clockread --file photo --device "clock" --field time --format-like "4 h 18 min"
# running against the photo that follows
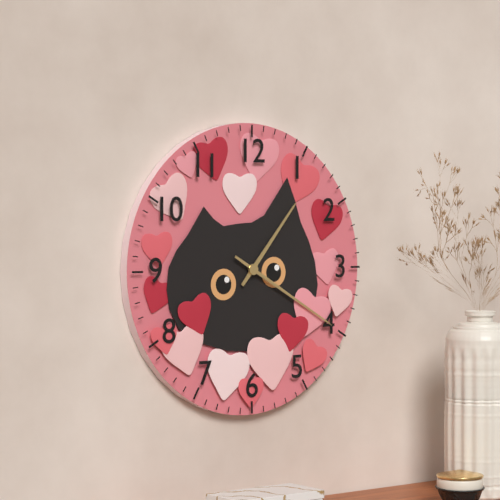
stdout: 1 h 20 min
